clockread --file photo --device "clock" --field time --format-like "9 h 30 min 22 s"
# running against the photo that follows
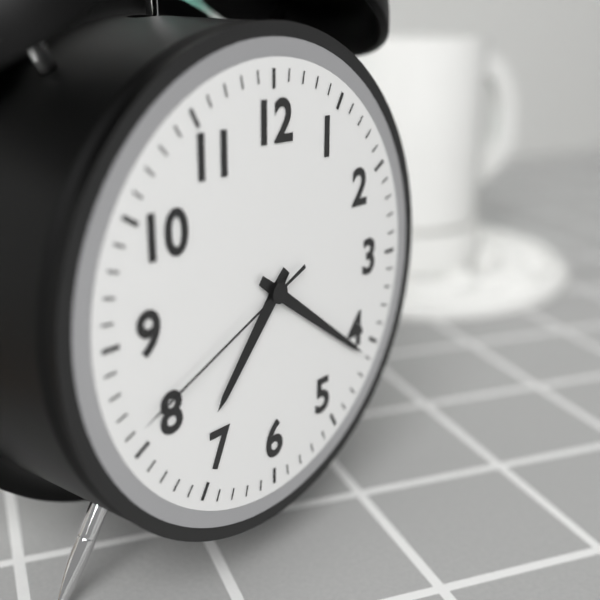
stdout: 7 h 21 min 41 s
